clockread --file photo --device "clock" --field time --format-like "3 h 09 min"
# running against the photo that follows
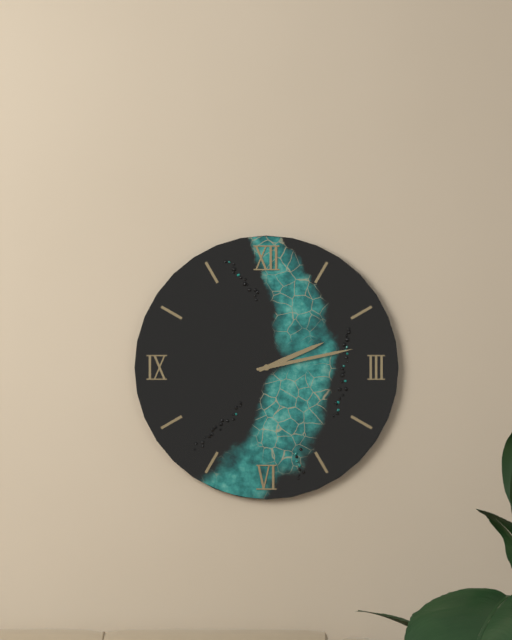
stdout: 2 h 13 min
